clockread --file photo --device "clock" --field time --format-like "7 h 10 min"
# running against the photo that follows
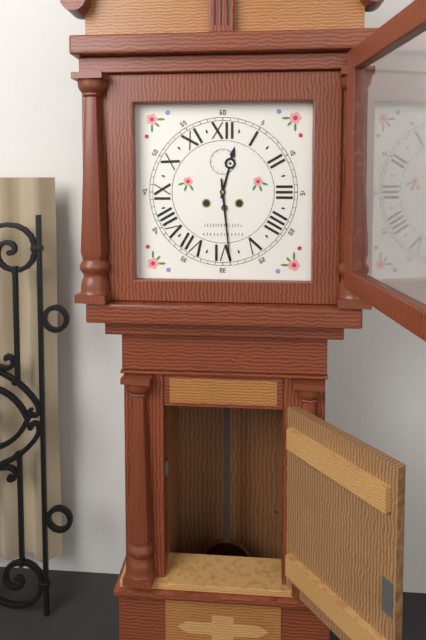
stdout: 12 h 29 min
